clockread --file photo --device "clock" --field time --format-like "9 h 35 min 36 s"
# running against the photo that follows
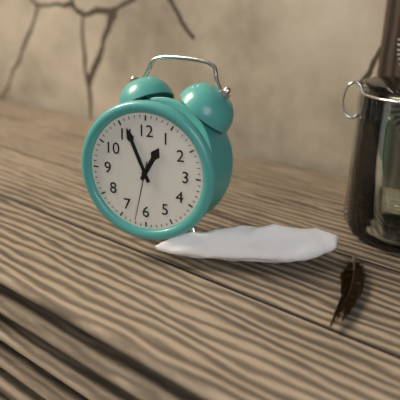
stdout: 12 h 56 min 32 s
